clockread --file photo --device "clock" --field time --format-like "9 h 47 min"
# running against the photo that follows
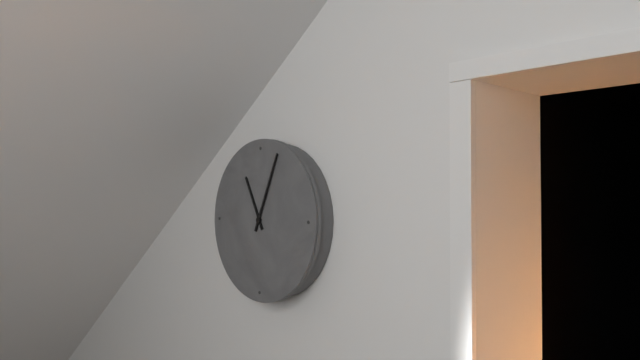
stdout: 11 h 04 min
